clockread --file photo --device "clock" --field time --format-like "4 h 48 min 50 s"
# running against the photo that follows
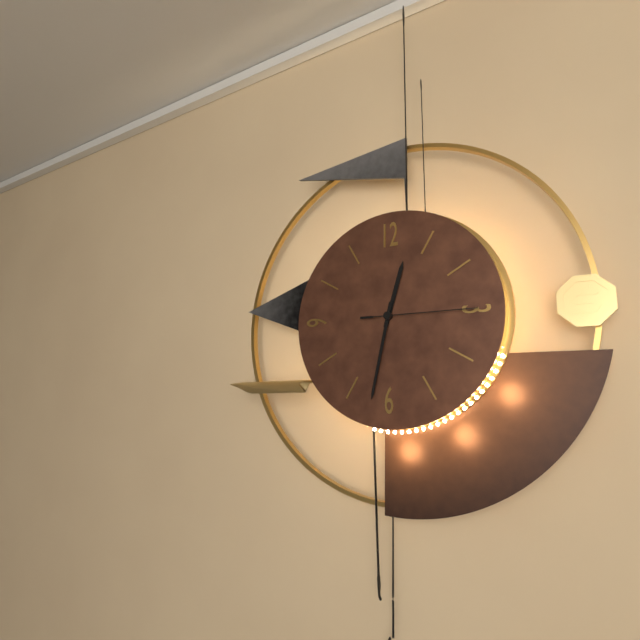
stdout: 12 h 32 min 15 s
